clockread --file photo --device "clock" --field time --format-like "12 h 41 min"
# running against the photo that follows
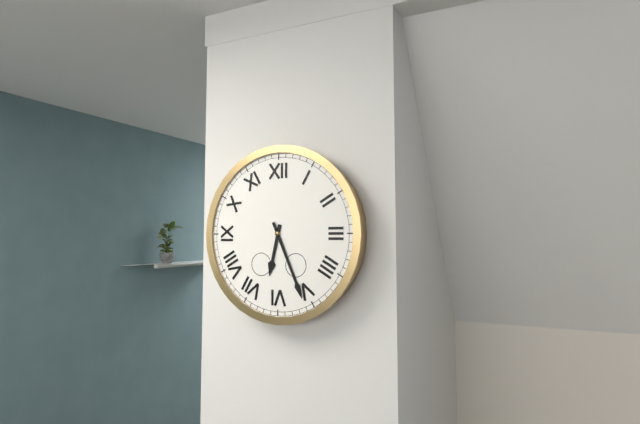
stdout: 6 h 26 min
